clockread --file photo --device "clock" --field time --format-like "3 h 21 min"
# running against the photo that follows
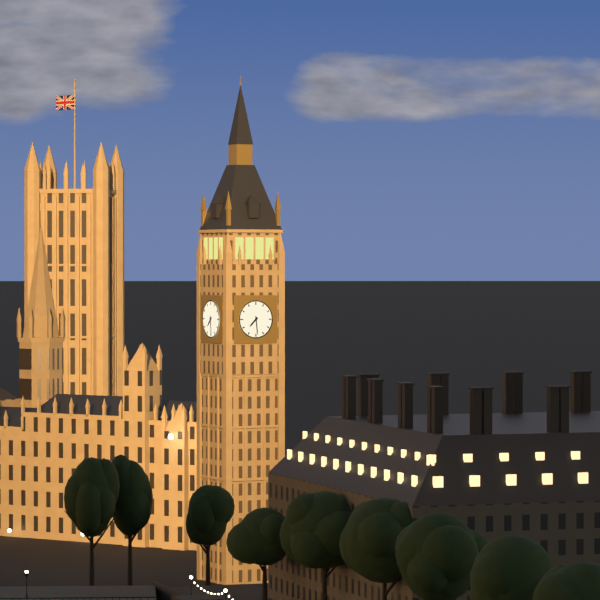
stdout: 7 h 29 min
